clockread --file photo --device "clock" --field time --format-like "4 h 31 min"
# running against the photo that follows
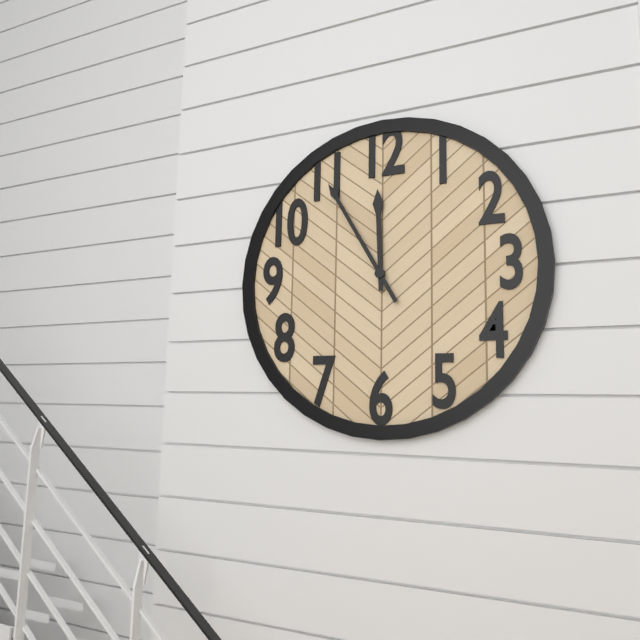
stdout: 11 h 55 min
